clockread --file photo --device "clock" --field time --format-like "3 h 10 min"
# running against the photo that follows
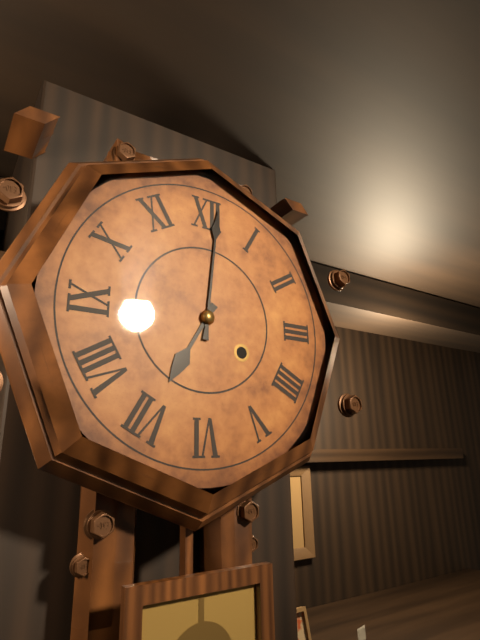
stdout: 7 h 01 min
